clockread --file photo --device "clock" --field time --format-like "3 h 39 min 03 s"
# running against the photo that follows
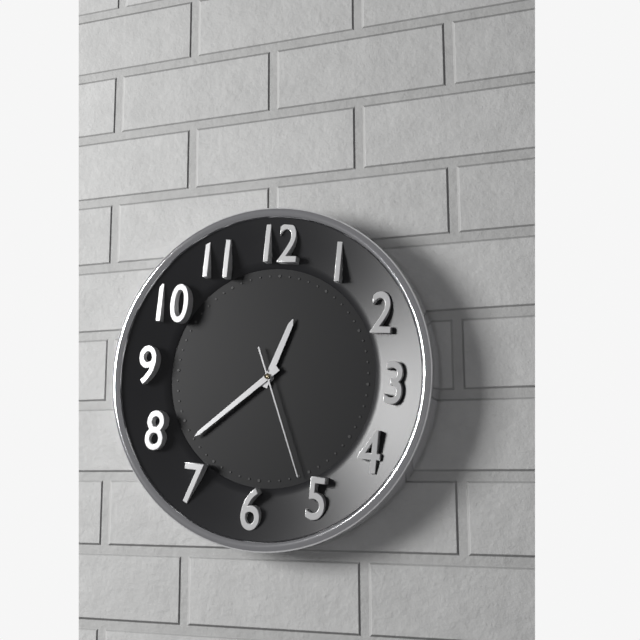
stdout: 12 h 38 min 26 s
